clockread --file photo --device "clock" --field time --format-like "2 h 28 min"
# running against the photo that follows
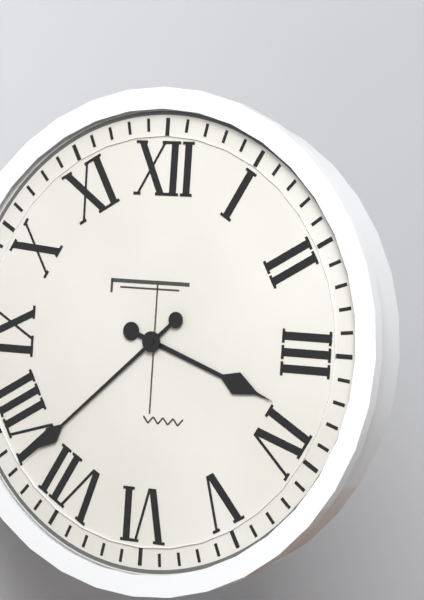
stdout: 3 h 38 min
